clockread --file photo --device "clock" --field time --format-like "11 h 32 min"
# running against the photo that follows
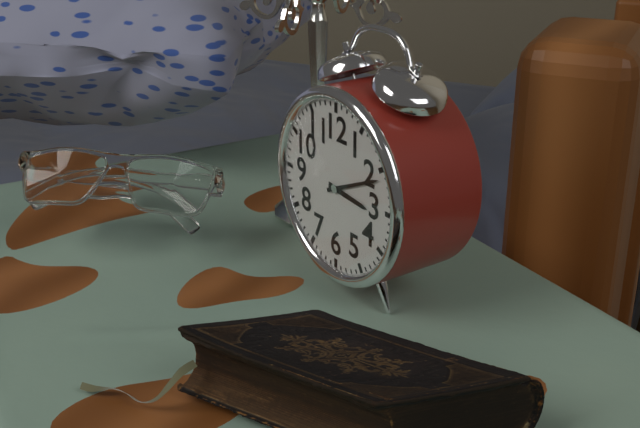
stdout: 3 h 11 min
